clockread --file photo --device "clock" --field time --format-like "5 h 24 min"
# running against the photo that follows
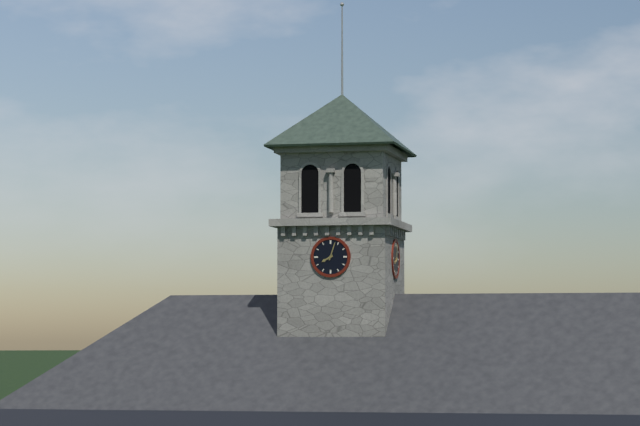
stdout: 8 h 03 min
